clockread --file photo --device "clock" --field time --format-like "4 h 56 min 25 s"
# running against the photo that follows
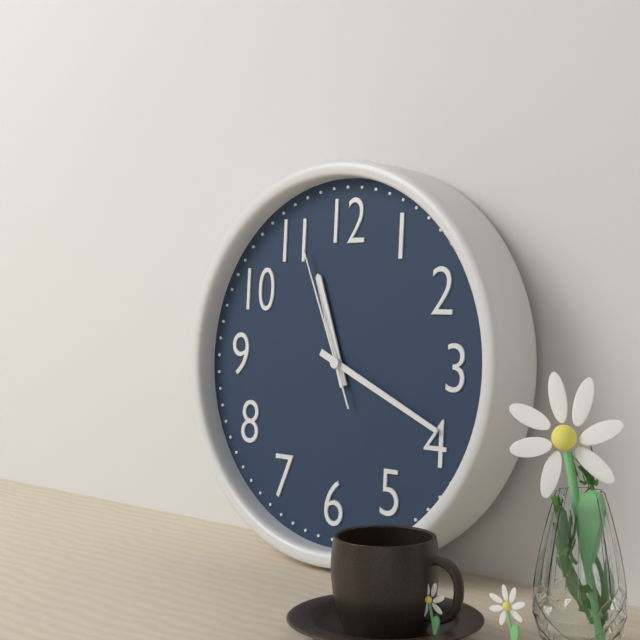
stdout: 11 h 19 min 56 s
